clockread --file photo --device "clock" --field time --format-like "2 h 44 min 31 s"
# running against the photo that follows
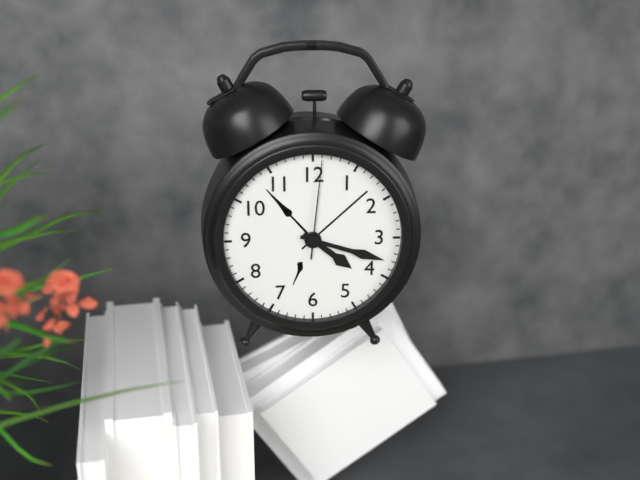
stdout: 4 h 18 min 01 s
